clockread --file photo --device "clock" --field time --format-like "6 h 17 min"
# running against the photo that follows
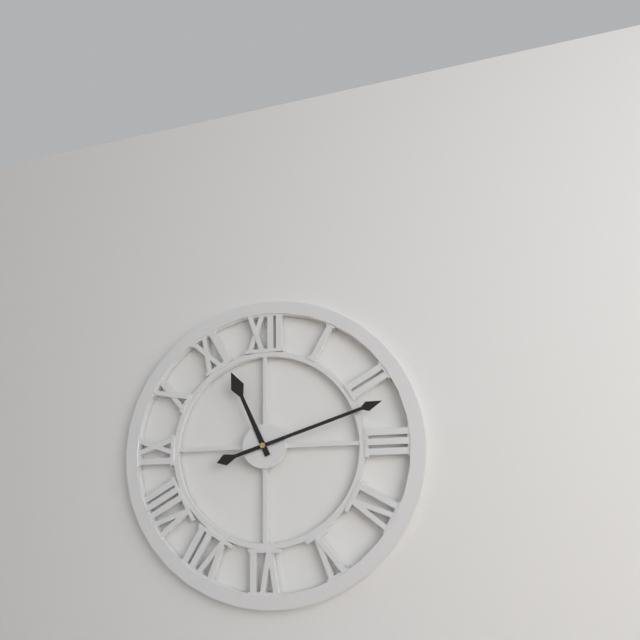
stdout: 11 h 12 min
